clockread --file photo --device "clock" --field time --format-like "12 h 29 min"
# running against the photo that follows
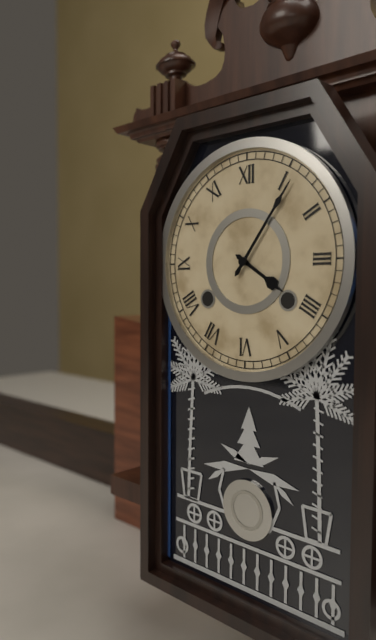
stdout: 4 h 06 min
